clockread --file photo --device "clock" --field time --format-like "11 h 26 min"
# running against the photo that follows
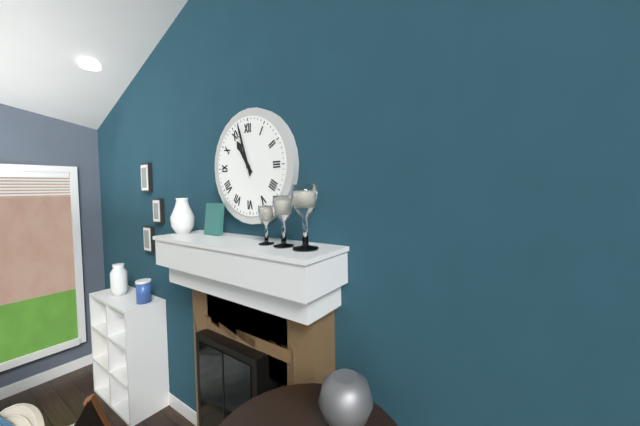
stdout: 10 h 57 min
